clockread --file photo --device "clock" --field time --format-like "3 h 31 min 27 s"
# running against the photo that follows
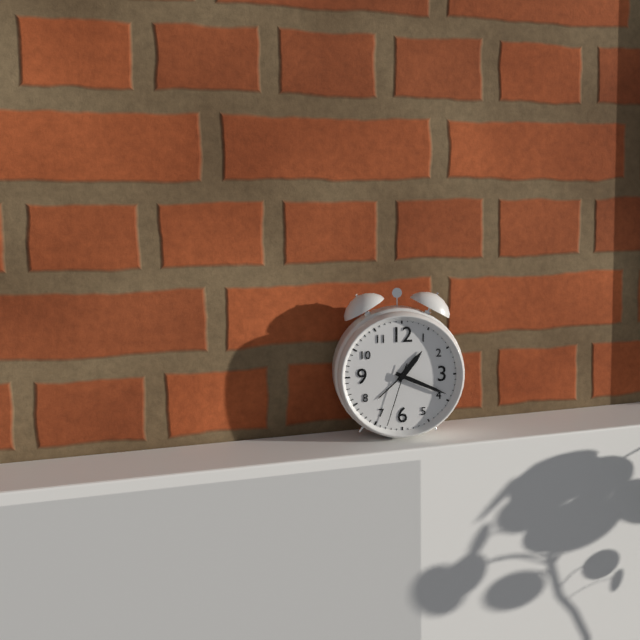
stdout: 1 h 19 min 33 s
